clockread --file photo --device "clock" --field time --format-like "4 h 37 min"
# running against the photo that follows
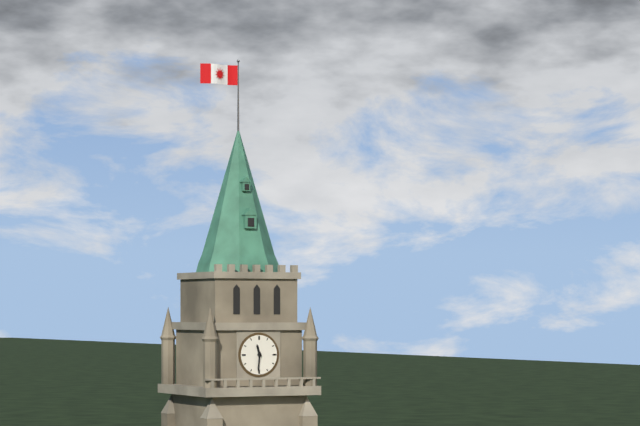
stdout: 11 h 31 min
